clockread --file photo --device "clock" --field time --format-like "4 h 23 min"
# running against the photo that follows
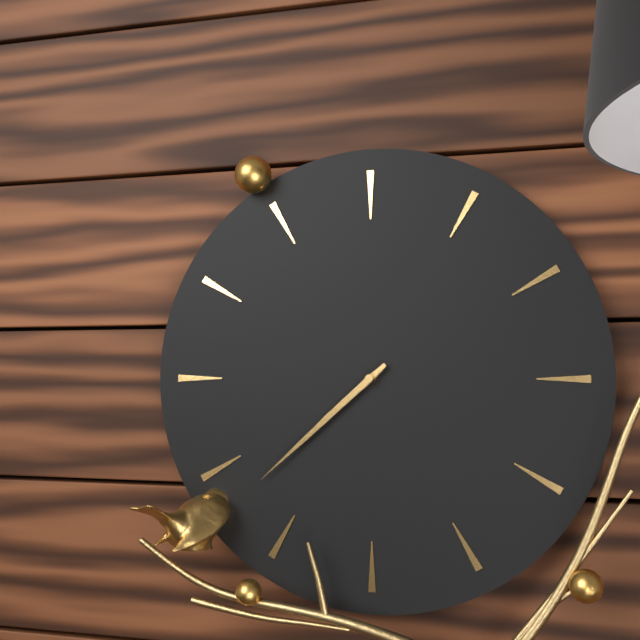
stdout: 7 h 38 min
